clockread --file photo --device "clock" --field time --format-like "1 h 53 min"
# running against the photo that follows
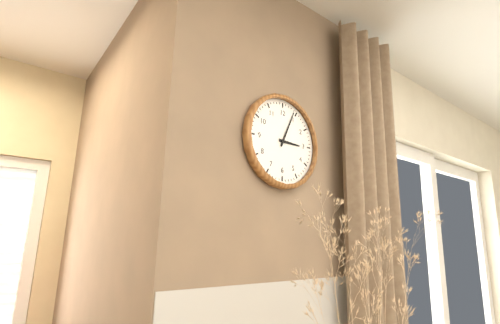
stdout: 3 h 04 min
